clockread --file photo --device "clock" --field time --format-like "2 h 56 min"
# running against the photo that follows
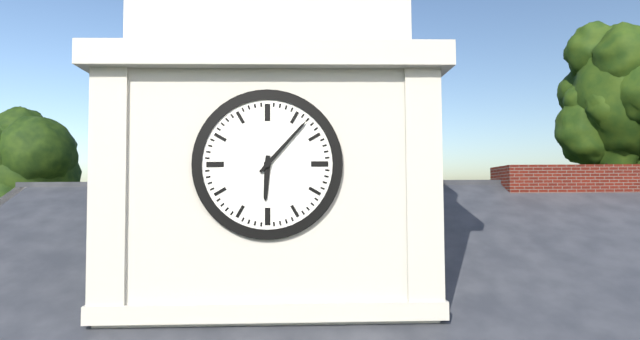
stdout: 6 h 07 min
